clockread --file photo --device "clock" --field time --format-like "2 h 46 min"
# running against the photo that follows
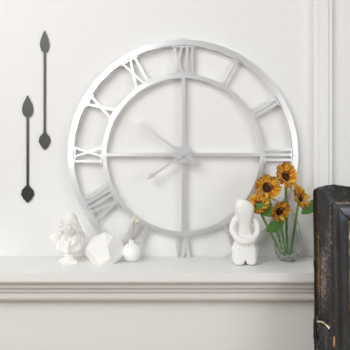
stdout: 7 h 51 min
